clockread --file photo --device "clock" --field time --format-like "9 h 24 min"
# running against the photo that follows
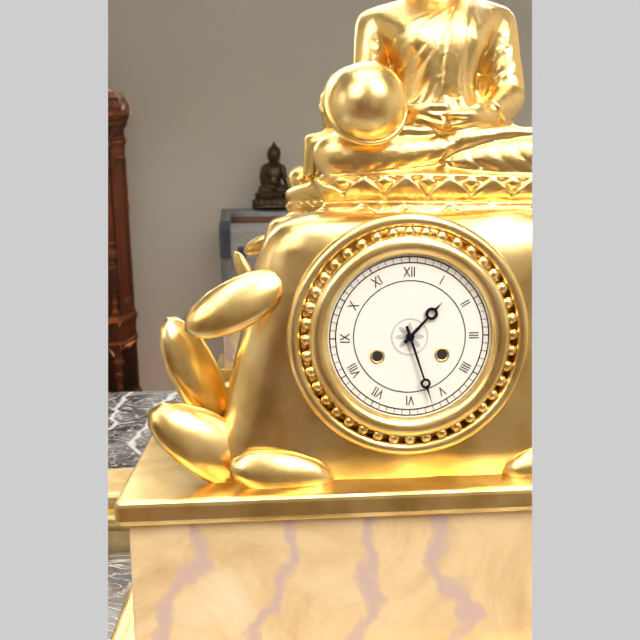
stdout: 1 h 27 min
